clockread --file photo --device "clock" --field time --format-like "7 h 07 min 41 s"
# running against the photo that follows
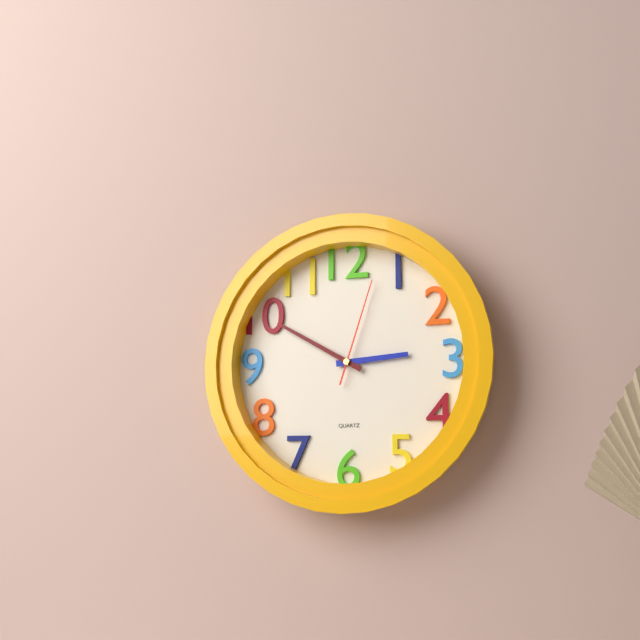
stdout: 2 h 50 min 03 s
